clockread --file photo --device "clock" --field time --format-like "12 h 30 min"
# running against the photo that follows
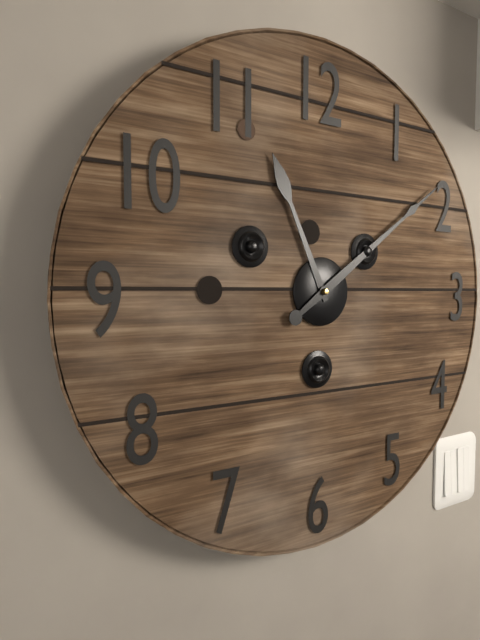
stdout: 11 h 09 min
